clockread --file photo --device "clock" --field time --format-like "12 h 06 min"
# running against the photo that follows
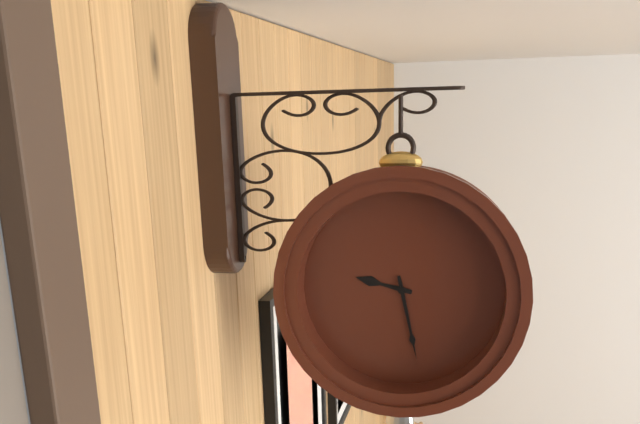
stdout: 9 h 28 min
